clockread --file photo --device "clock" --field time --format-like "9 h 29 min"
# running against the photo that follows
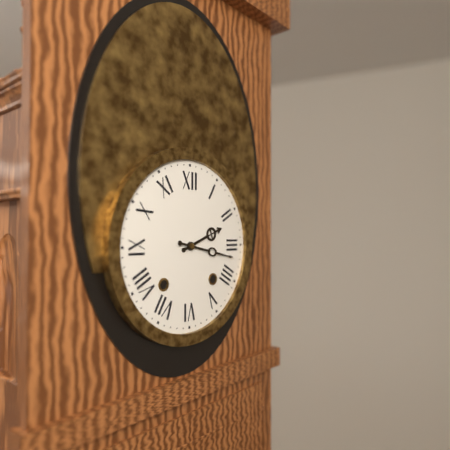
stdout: 2 h 17 min
